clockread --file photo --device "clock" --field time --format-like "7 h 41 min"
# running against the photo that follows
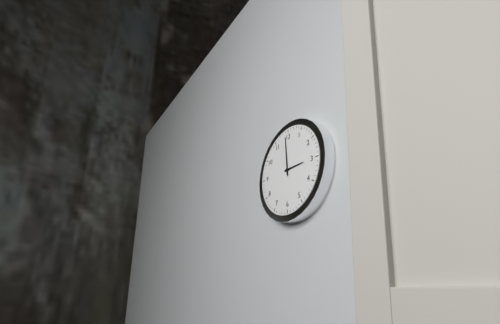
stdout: 2 h 59 min
